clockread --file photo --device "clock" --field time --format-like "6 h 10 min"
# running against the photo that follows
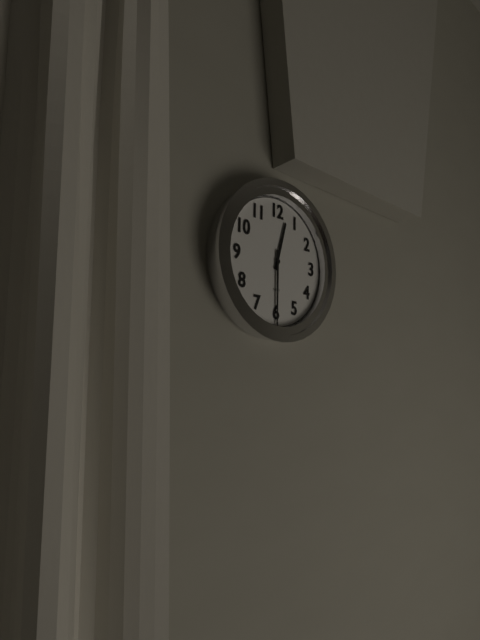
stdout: 12 h 30 min
